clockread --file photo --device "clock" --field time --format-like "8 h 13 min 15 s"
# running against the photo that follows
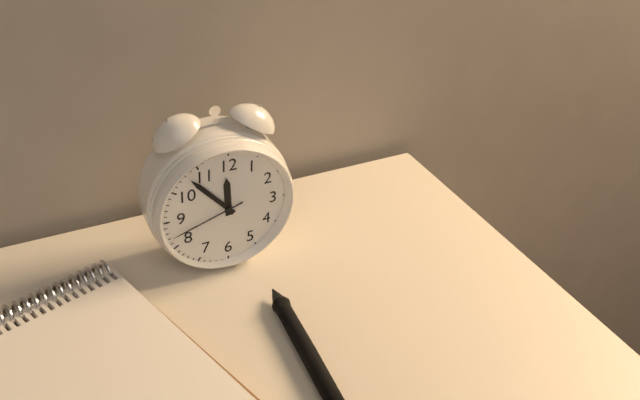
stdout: 11 h 53 min 42 s
